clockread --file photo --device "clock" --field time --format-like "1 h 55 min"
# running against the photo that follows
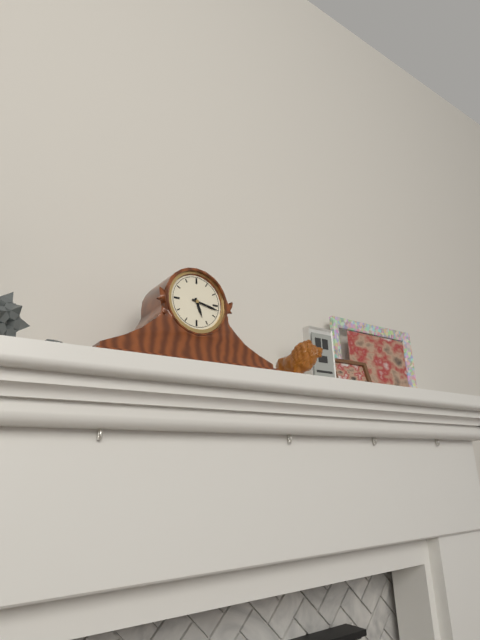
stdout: 5 h 17 min
